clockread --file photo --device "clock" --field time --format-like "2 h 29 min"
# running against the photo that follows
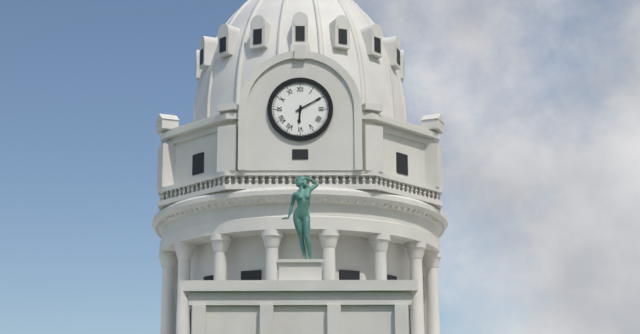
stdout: 6 h 10 min
